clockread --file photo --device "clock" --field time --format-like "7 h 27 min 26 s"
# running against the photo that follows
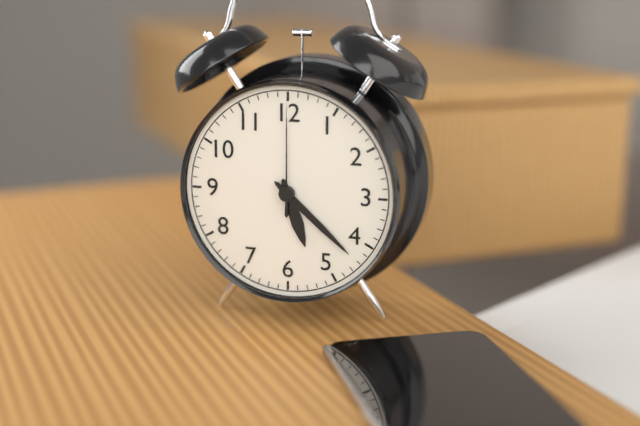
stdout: 5 h 22 min 00 s
